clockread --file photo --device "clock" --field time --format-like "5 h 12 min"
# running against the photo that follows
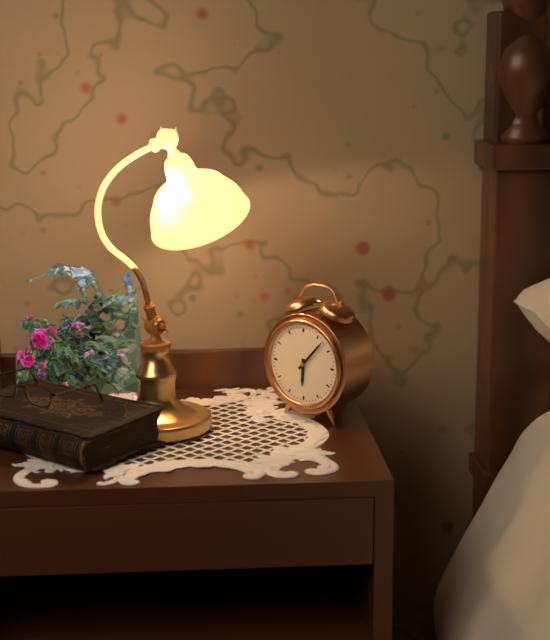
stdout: 6 h 07 min
